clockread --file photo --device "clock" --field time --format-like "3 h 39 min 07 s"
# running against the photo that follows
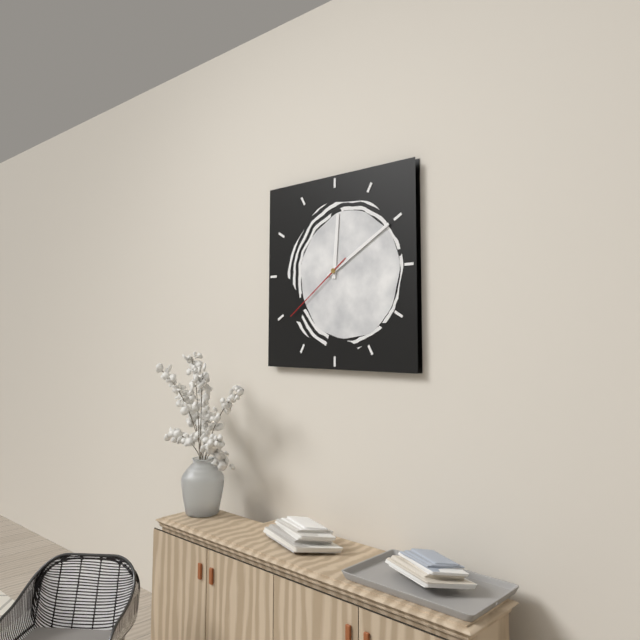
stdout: 12 h 10 min 39 s
